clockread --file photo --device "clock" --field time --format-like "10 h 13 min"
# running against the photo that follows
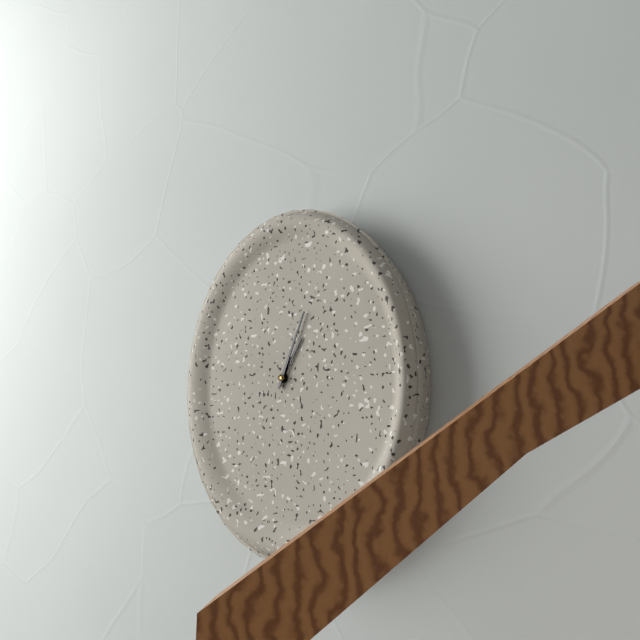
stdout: 1 h 04 min
